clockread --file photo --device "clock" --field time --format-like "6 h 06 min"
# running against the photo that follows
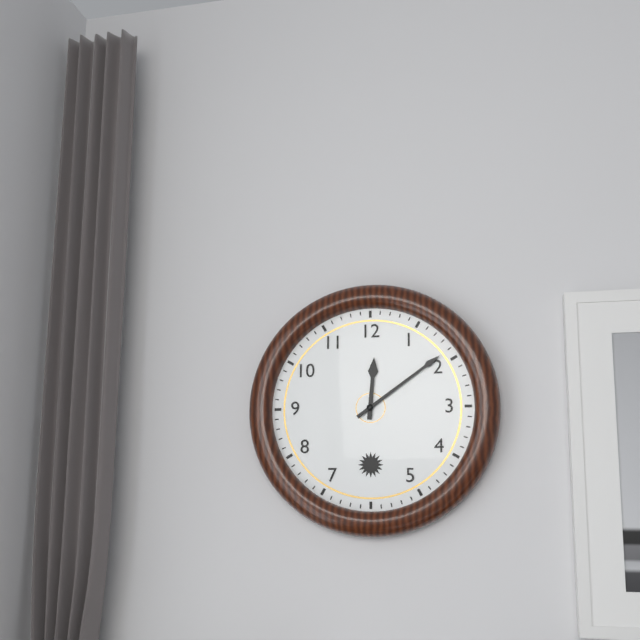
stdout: 12 h 09 min
